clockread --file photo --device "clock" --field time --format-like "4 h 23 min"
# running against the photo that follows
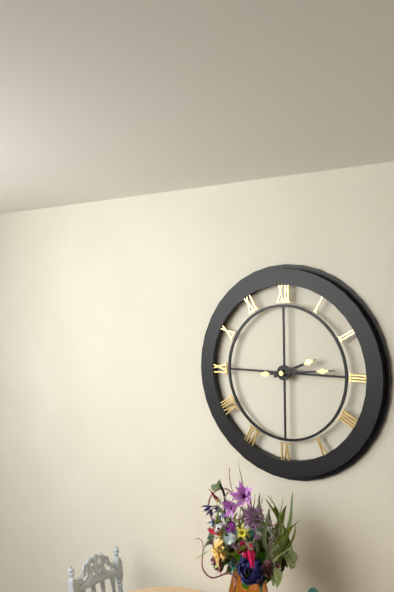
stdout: 2 h 14 min
